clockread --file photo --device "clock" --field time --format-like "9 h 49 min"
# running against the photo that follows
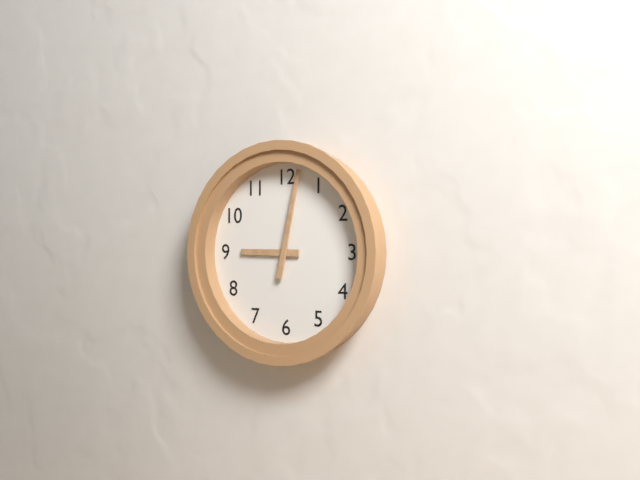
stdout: 9 h 02 min
